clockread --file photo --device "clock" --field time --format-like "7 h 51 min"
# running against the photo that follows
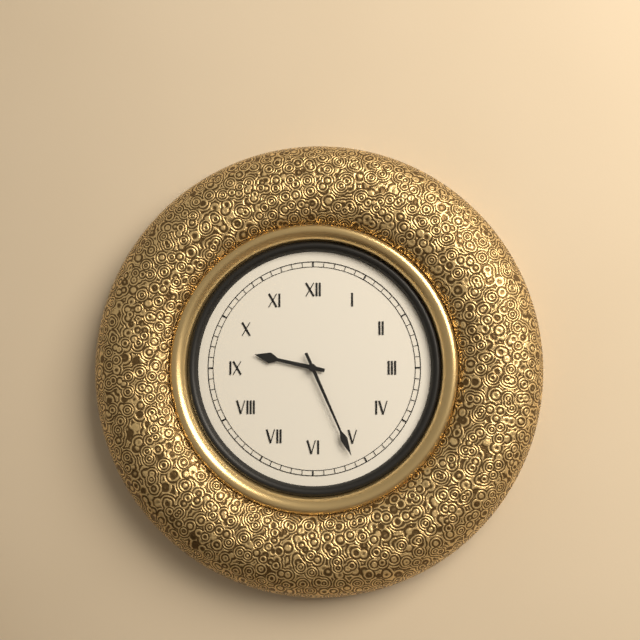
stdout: 9 h 26 min
